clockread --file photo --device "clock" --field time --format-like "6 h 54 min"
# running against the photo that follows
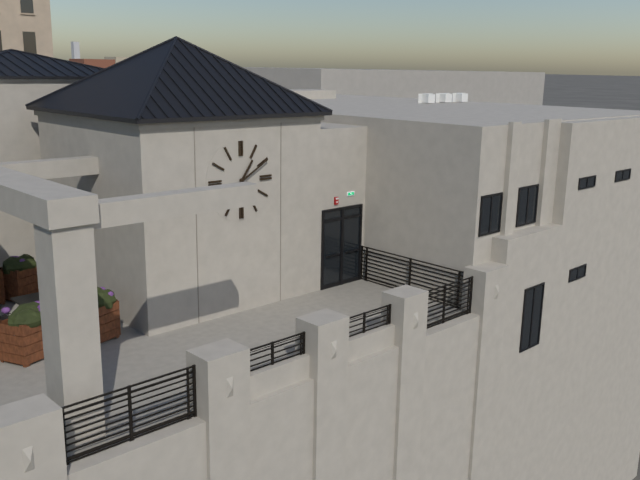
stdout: 1 h 10 min
